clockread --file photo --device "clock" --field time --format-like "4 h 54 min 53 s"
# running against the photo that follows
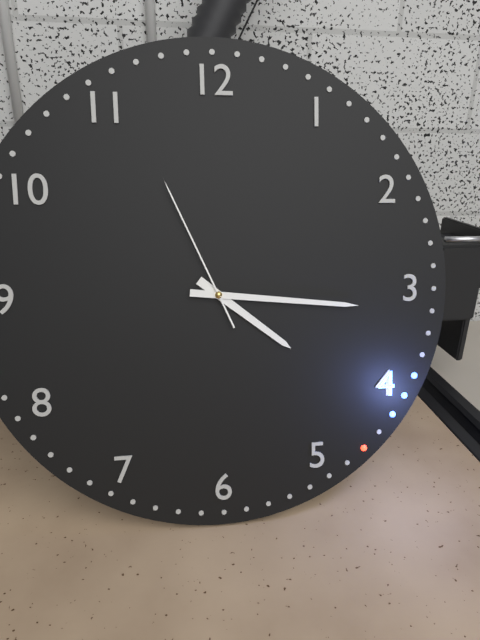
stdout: 4 h 16 min 56 s
